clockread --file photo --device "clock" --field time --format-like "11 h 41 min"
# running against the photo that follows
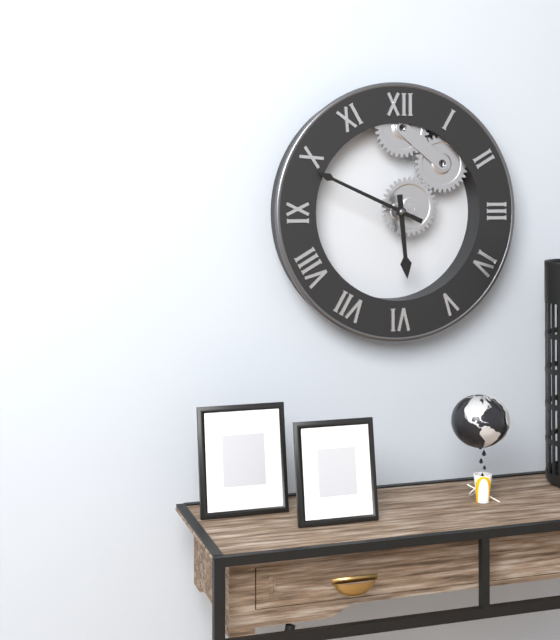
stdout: 5 h 49 min
